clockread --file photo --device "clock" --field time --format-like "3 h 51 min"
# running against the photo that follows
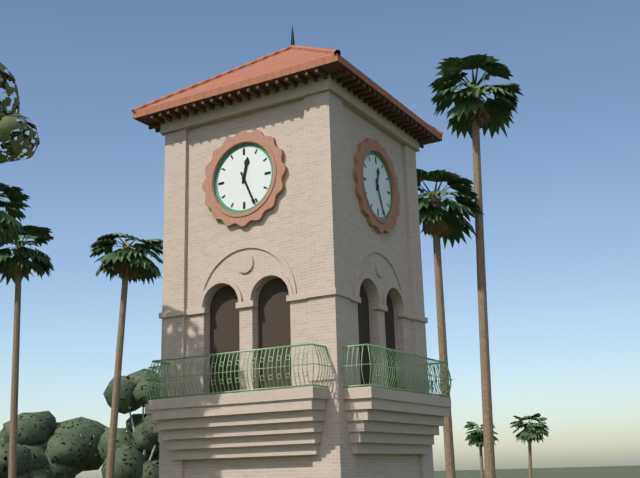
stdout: 12 h 26 min
